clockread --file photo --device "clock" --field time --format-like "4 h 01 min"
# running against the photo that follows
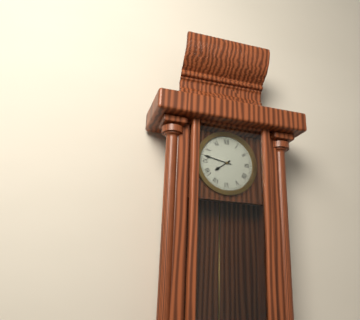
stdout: 7 h 47 min
